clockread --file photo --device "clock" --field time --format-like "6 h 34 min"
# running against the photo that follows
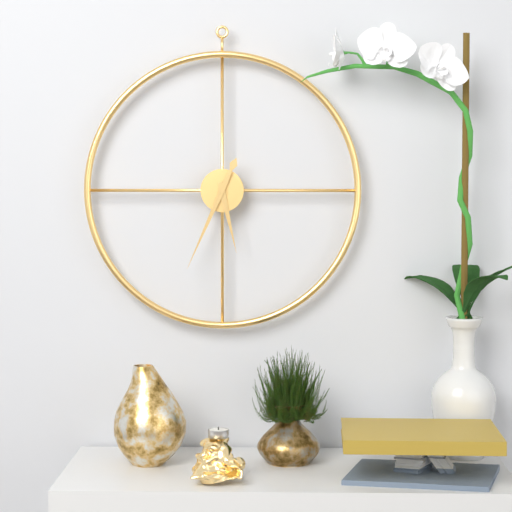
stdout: 5 h 34 min
